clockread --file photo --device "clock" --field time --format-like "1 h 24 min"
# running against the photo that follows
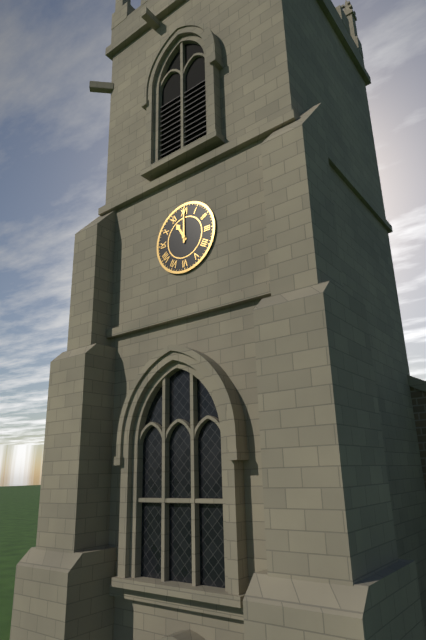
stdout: 11 h 00 min
